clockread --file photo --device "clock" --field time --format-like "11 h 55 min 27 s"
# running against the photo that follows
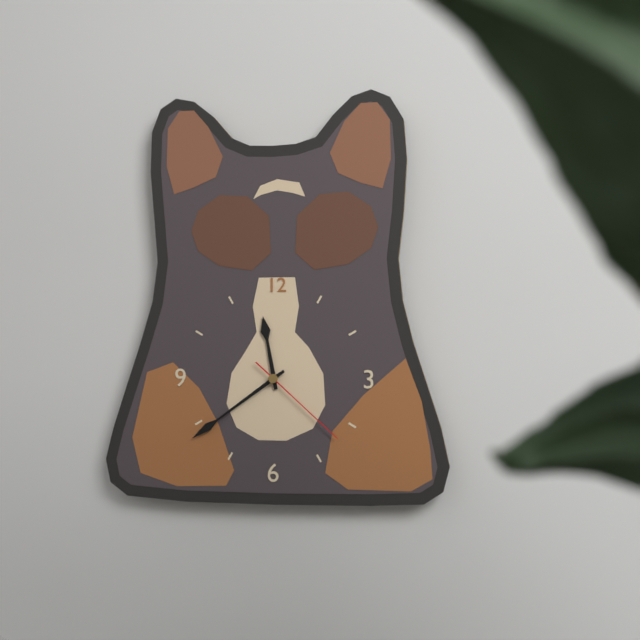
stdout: 11 h 39 min 22 s
